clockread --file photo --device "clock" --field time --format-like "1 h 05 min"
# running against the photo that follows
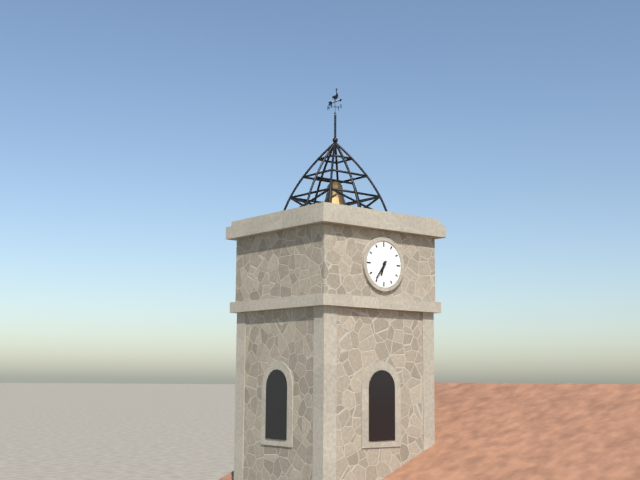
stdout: 6 h 36 min
